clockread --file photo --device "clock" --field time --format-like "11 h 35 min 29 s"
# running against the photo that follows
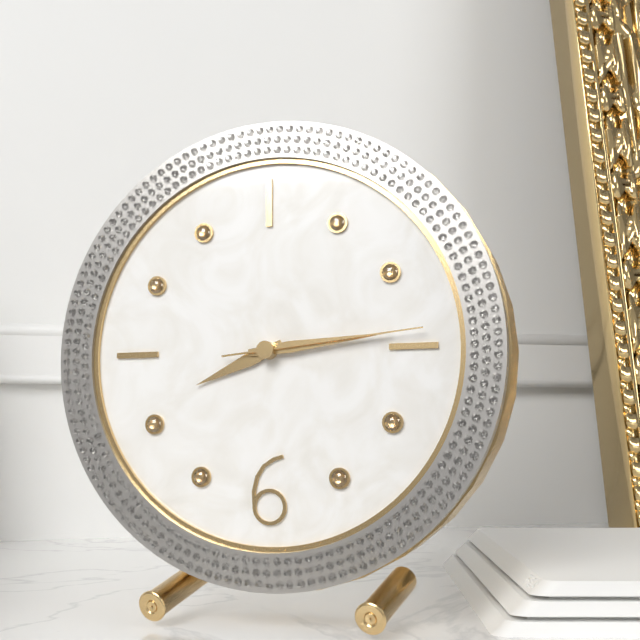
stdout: 8 h 14 min 14 s
